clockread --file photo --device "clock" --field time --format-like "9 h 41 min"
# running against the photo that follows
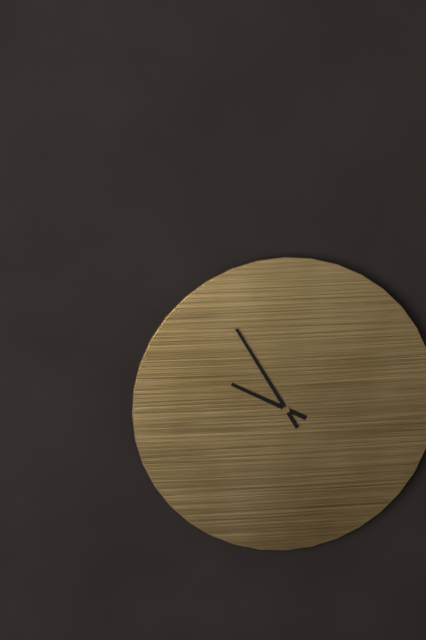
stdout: 9 h 55 min
